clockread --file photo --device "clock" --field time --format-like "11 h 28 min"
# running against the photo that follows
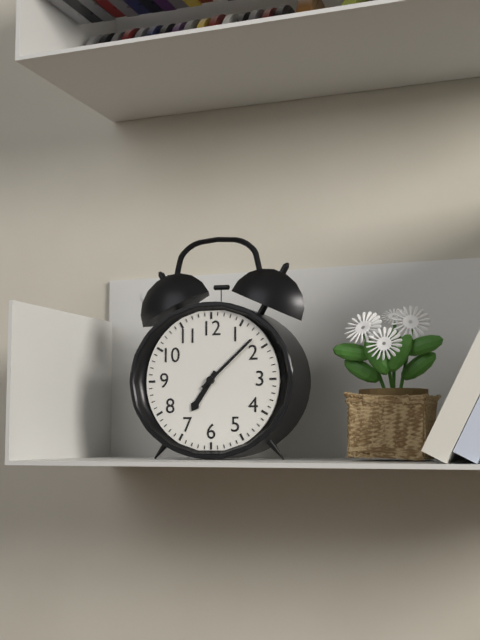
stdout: 7 h 08 min
